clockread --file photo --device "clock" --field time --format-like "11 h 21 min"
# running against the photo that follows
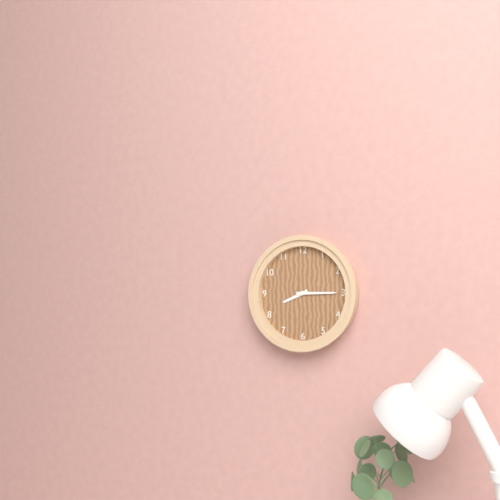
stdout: 8 h 15 min
